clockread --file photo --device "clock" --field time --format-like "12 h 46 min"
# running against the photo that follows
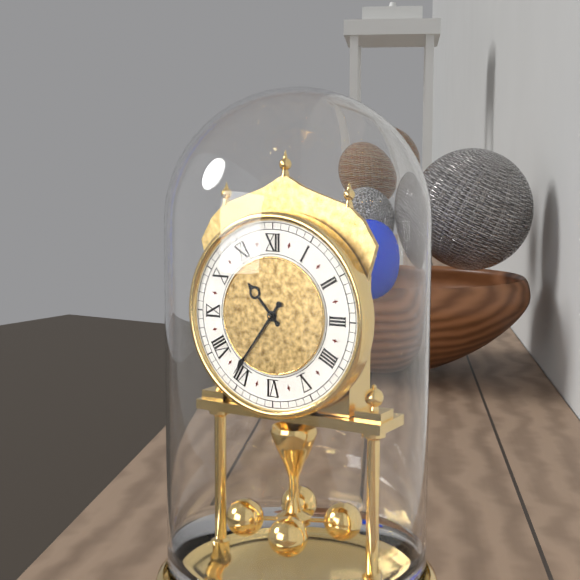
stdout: 10 h 36 min
